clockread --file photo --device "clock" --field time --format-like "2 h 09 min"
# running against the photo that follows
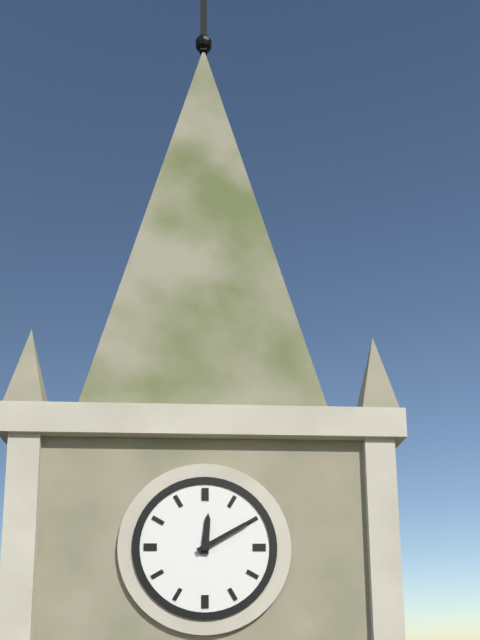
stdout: 12 h 10 min
